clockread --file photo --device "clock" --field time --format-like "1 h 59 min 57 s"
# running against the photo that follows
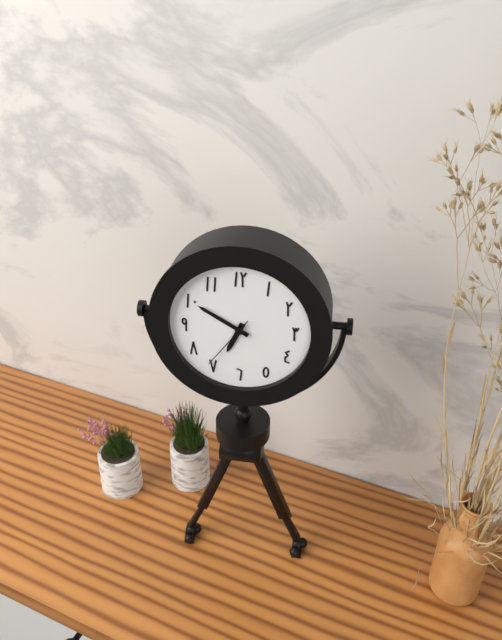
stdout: 6 h 50 min 36 s
